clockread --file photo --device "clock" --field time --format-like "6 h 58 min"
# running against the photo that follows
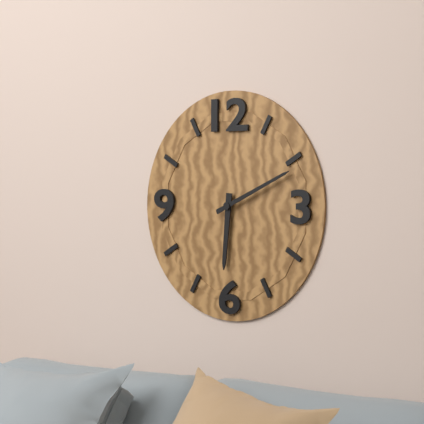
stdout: 6 h 11 min
